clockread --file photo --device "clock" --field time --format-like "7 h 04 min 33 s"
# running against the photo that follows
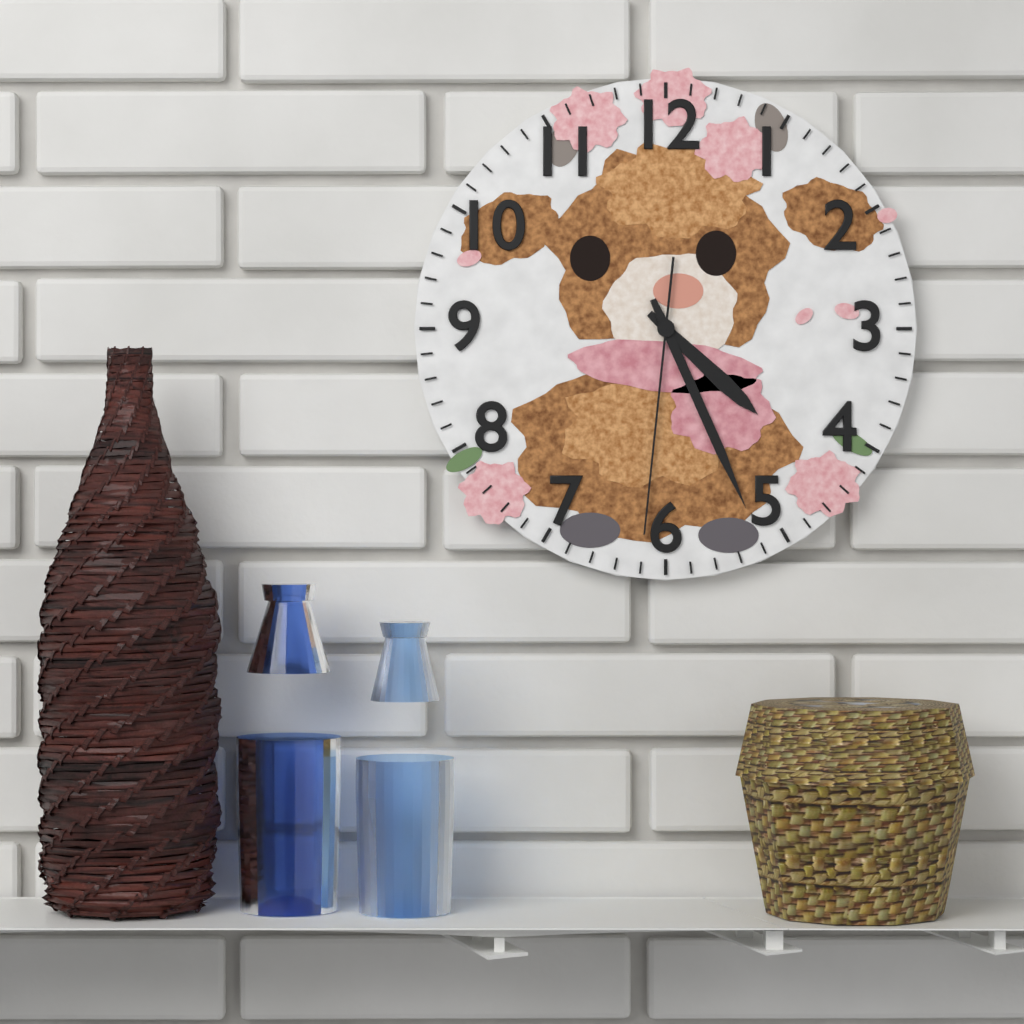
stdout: 4 h 26 min 31 s
